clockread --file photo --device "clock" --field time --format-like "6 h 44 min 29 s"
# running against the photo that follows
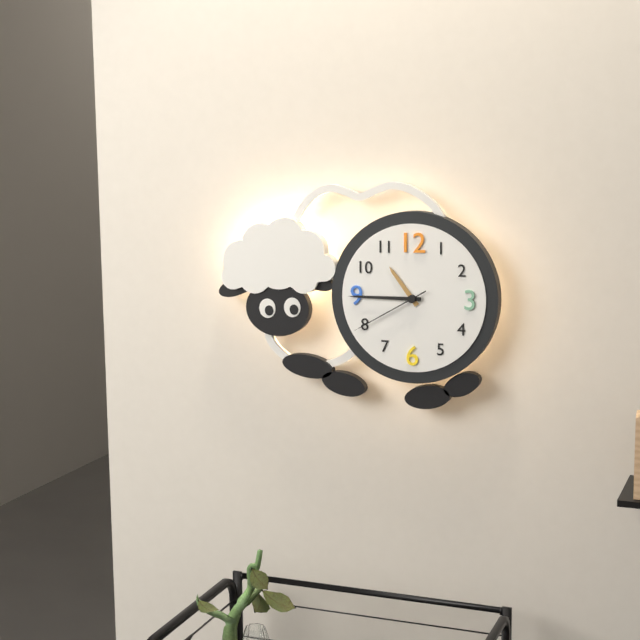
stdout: 10 h 45 min 40 s
